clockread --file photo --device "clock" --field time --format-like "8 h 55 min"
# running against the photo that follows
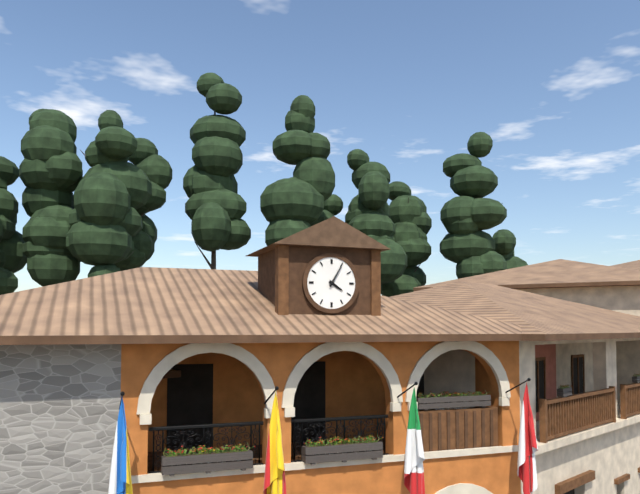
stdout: 4 h 05 min
